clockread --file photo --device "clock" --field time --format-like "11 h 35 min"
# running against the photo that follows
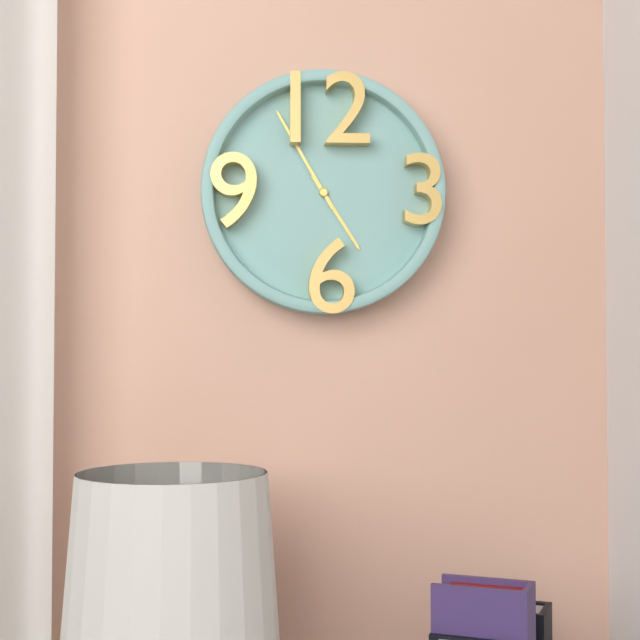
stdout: 4 h 55 min
